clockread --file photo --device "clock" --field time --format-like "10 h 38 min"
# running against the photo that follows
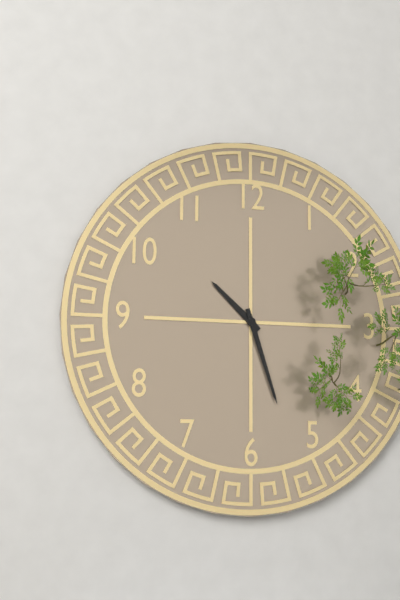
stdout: 10 h 27 min
